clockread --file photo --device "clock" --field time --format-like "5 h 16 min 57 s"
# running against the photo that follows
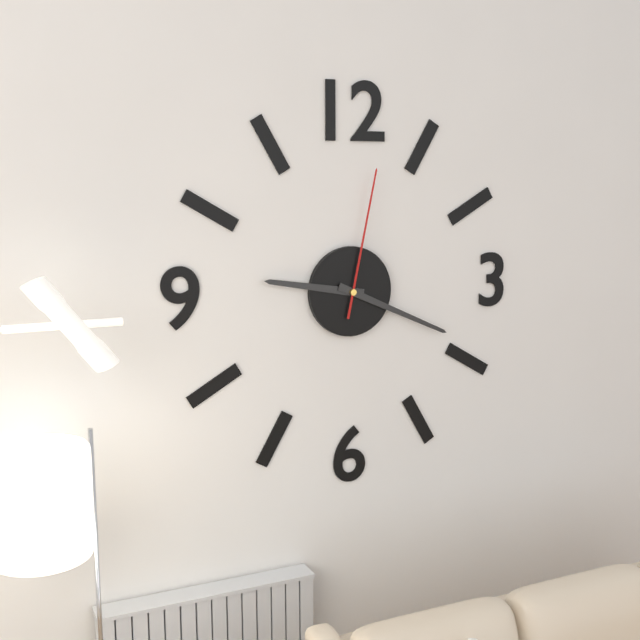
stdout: 9 h 19 min 02 s
